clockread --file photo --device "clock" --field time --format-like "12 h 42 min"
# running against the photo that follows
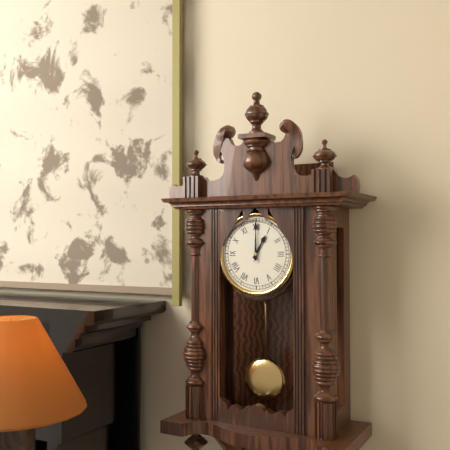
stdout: 1 h 00 min
